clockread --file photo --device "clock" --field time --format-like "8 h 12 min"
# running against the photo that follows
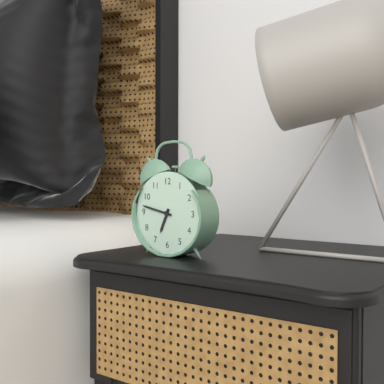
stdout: 6 h 47 min
